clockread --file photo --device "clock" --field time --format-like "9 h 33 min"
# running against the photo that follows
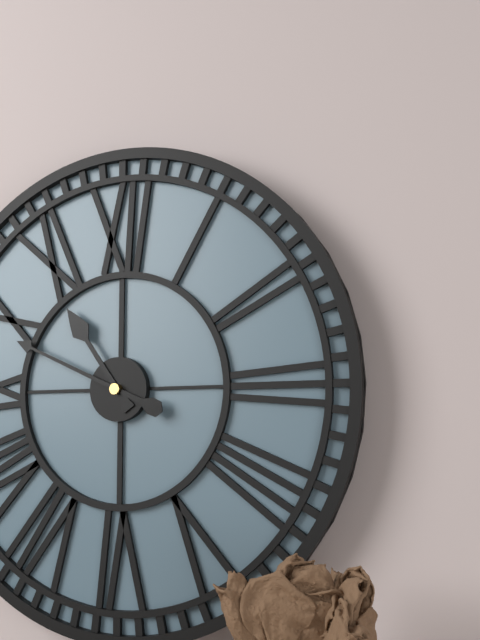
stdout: 10 h 49 min
